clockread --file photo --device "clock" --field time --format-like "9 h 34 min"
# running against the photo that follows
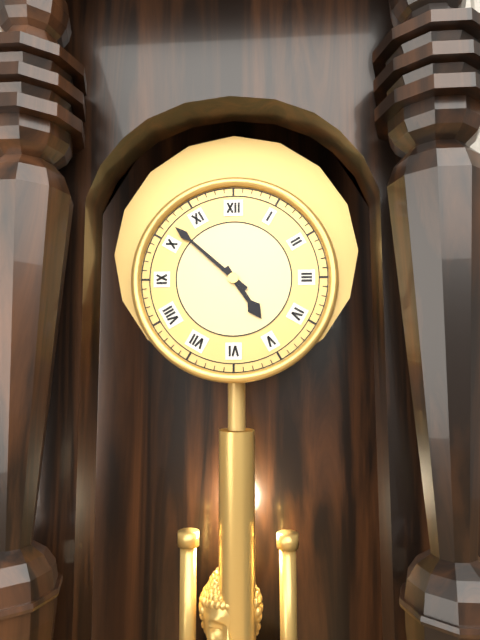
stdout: 4 h 52 min
